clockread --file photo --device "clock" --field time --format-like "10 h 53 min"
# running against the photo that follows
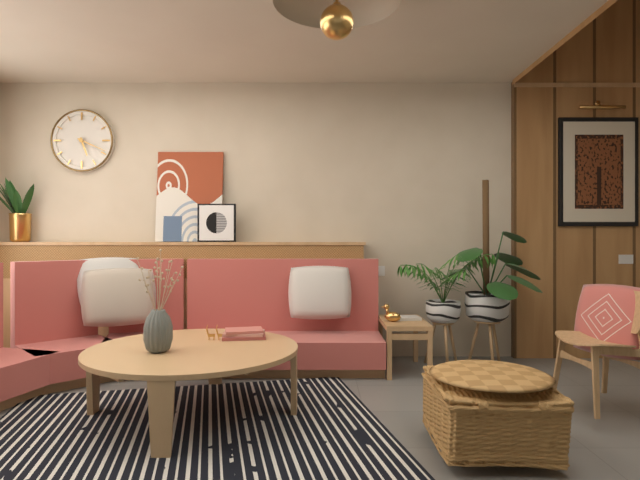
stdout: 5 h 19 min
